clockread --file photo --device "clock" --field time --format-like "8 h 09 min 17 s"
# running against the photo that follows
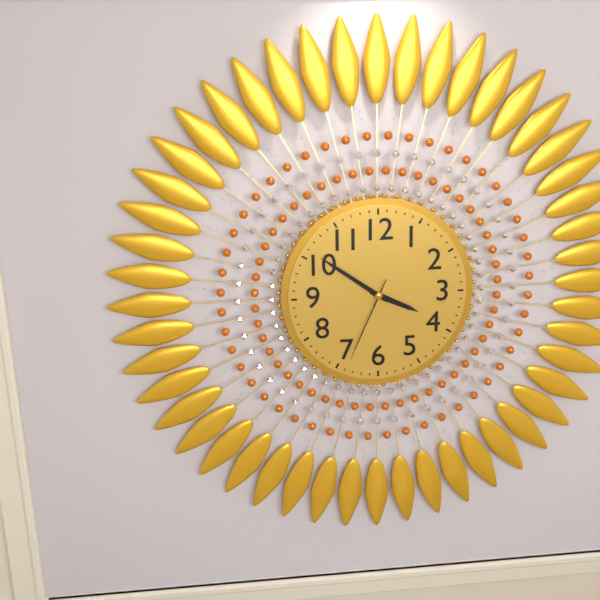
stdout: 3 h 51 min 34 s
